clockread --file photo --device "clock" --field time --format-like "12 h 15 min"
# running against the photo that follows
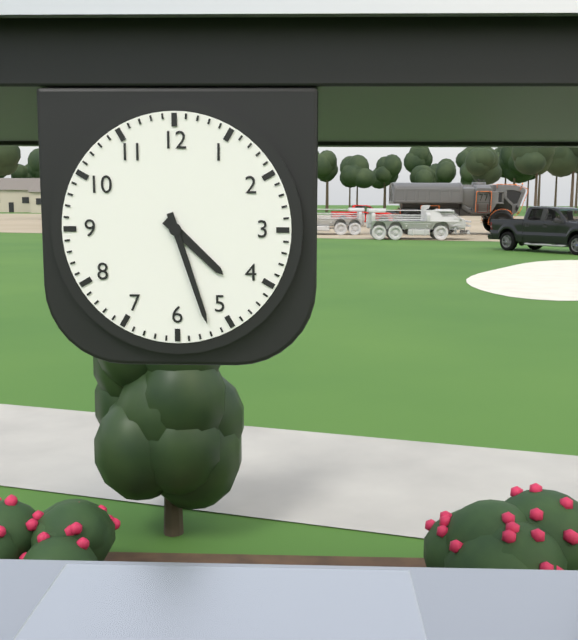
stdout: 4 h 27 min
